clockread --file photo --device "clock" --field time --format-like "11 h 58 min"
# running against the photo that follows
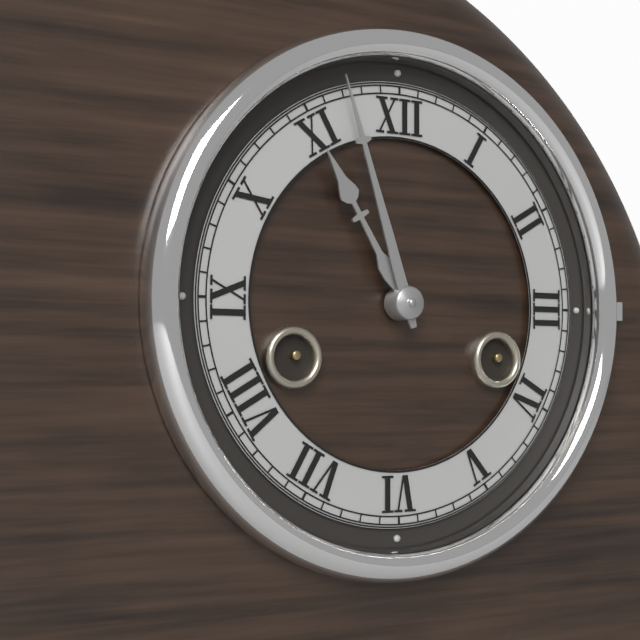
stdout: 10 h 57 min
